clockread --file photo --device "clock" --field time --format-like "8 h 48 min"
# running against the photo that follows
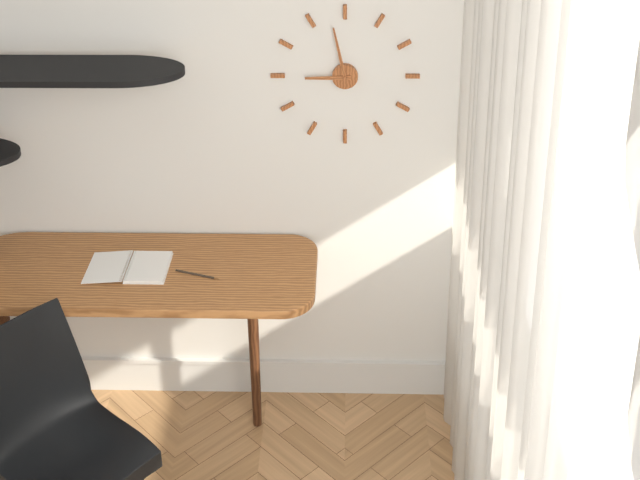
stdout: 8 h 58 min
